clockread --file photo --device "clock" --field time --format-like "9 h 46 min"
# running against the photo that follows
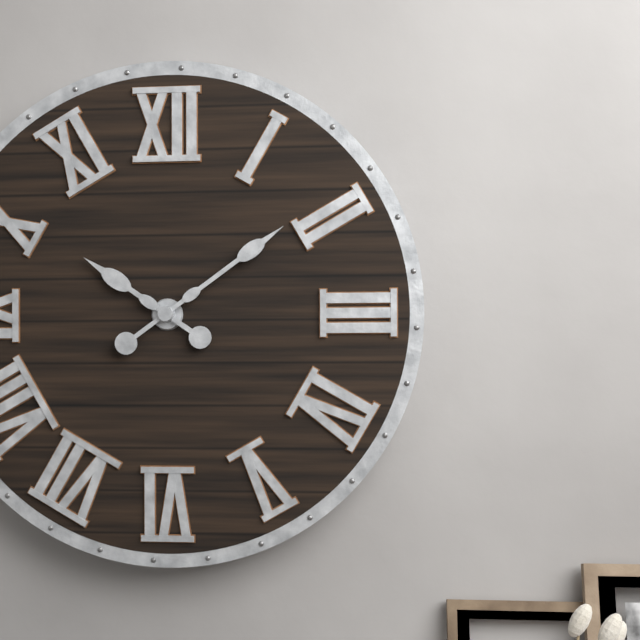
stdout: 10 h 09 min
